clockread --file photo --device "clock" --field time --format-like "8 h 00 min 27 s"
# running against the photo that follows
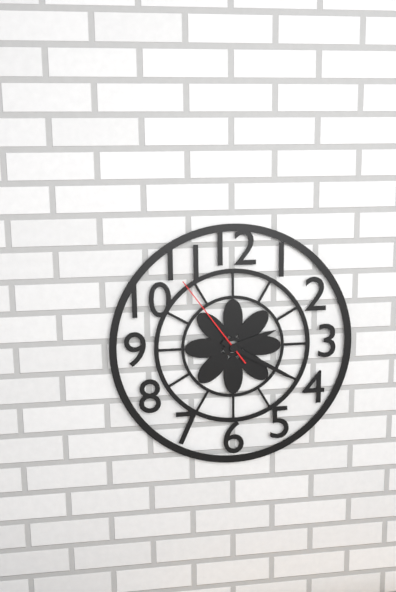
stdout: 2 h 20 min 54 s
